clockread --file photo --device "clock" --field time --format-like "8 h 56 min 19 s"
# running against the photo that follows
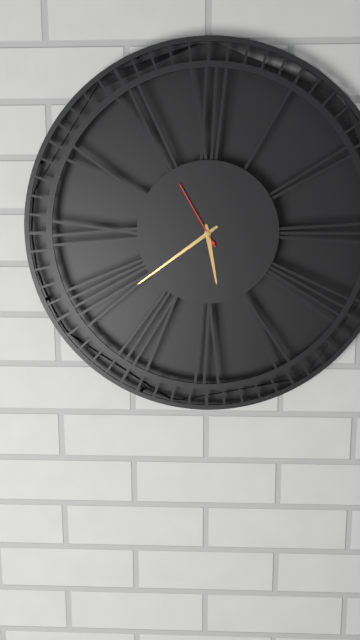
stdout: 5 h 39 min 55 s
